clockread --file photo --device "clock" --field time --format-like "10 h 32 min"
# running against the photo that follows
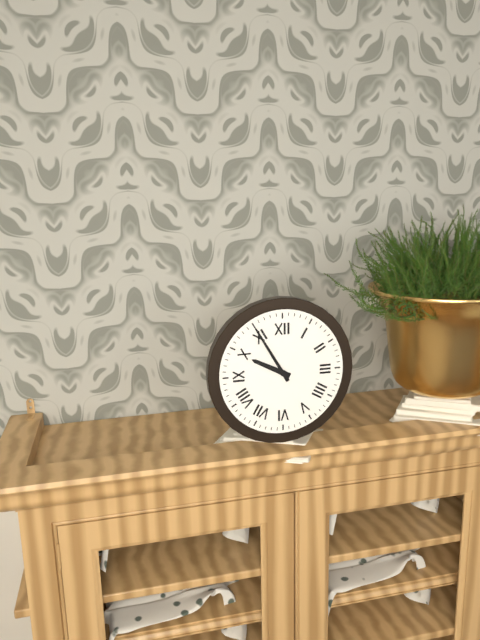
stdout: 9 h 55 min
